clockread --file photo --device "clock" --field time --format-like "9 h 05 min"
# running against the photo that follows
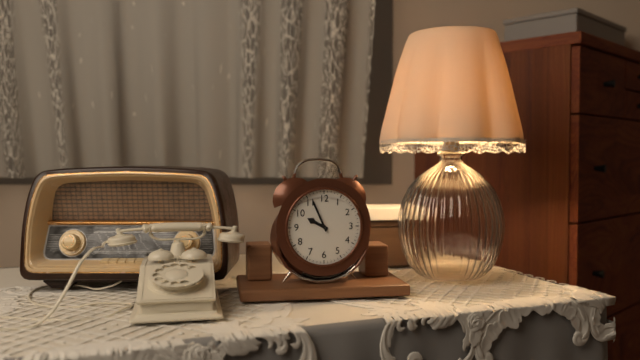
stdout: 9 h 56 min
